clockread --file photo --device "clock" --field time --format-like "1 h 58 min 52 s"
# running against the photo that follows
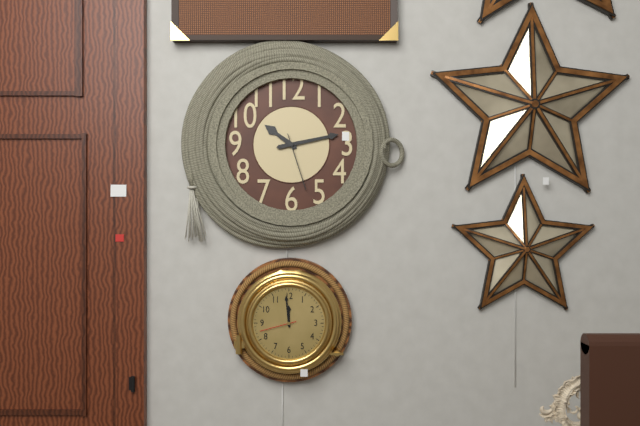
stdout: 10 h 13 min 27 s
